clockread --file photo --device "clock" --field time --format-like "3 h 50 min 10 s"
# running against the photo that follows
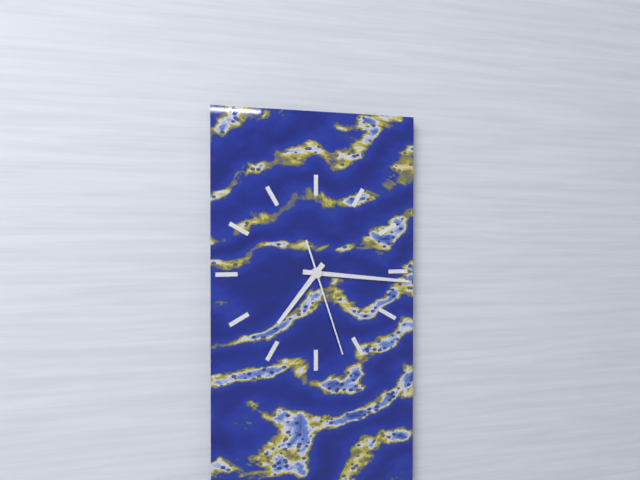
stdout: 7 h 16 min 27 s
